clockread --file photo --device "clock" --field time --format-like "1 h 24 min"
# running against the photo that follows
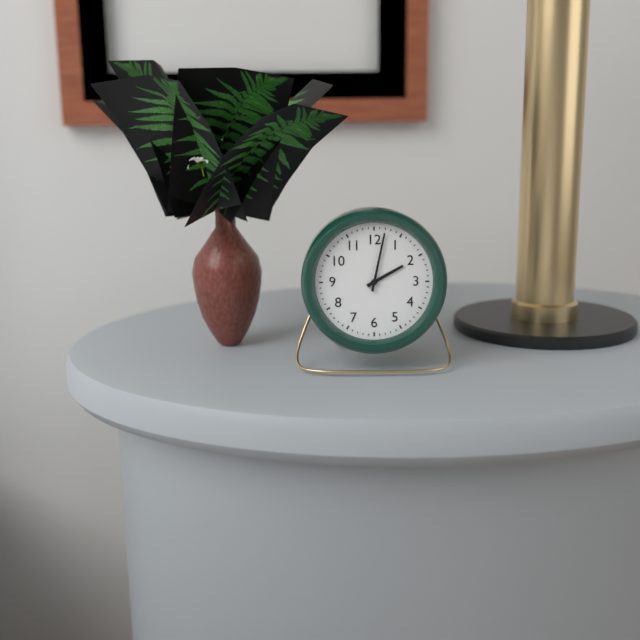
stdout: 2 h 02 min
